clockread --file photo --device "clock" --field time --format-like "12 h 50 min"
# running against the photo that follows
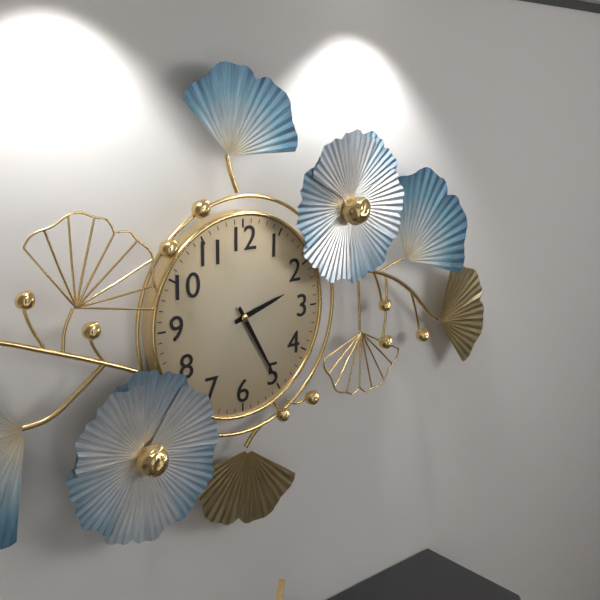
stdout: 2 h 25 min
